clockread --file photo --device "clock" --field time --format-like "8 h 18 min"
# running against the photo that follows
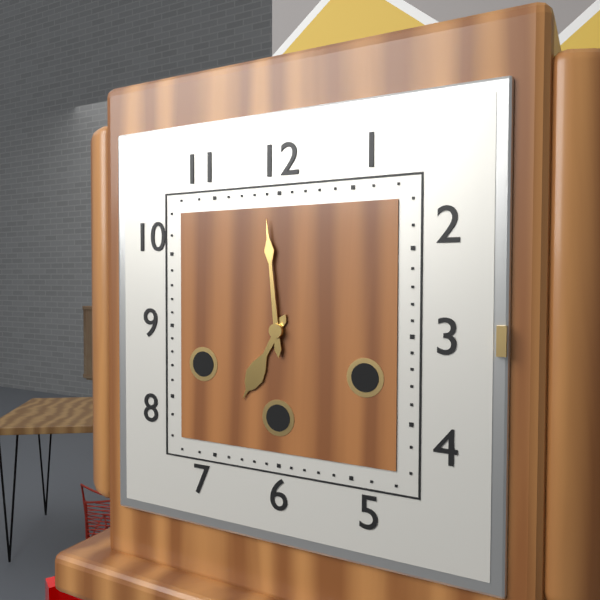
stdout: 6 h 59 min
